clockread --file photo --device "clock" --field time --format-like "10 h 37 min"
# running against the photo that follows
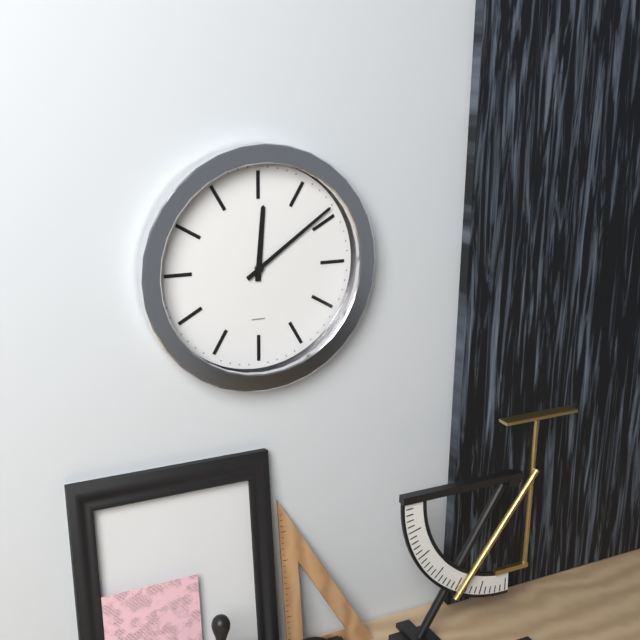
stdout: 12 h 09 min
